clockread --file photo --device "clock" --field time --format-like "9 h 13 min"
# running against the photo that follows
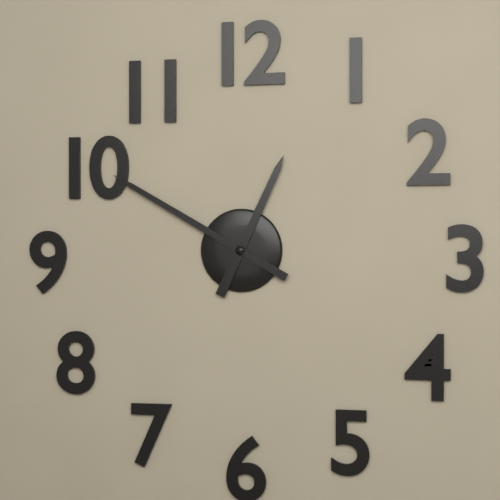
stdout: 12 h 50 min
